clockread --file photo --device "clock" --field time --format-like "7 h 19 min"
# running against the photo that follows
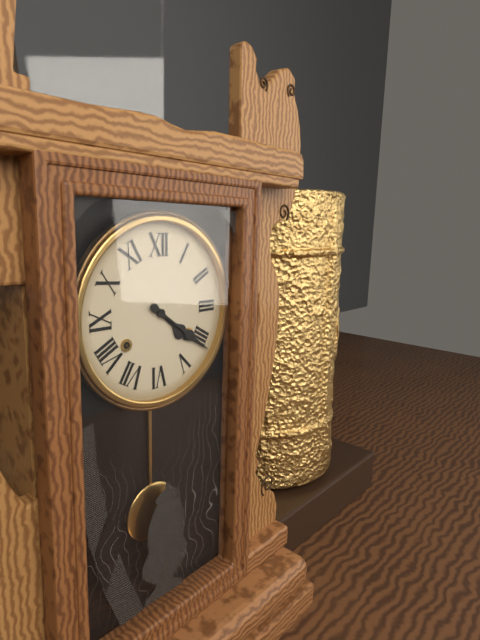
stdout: 4 h 21 min
